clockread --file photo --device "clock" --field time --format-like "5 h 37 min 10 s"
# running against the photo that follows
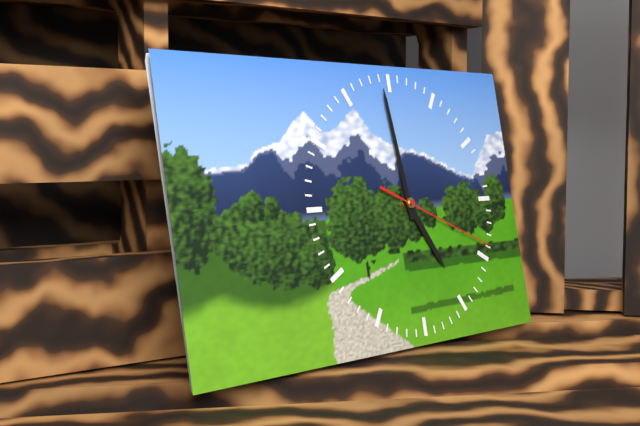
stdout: 4 h 59 min 19 s
